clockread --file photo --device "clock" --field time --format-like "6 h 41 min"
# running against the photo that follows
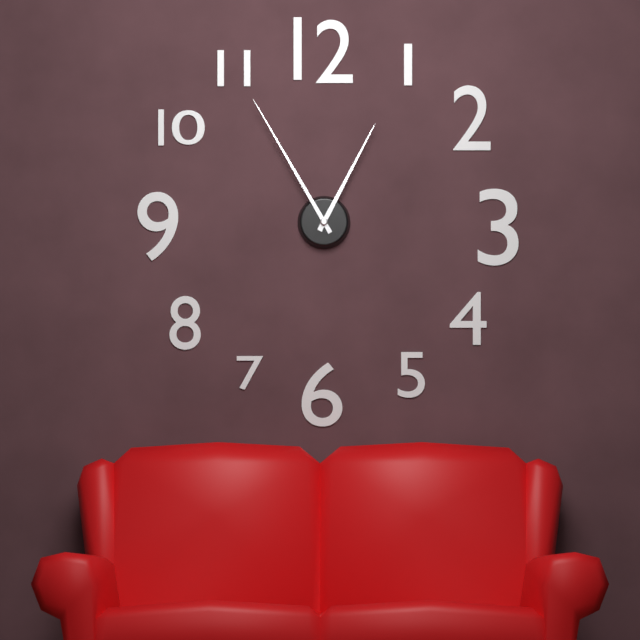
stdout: 12 h 55 min
